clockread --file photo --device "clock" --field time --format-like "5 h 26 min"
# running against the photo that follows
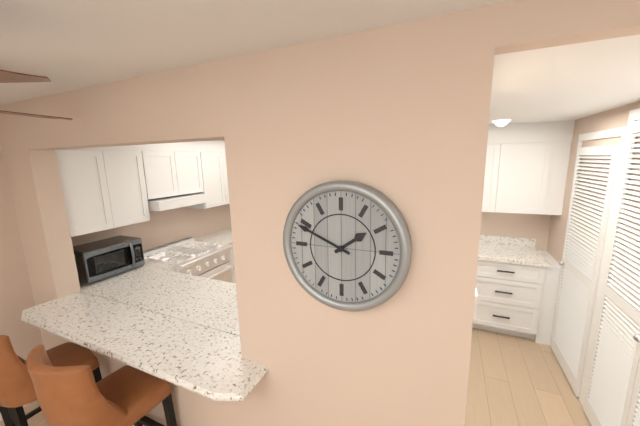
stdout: 1 h 49 min
